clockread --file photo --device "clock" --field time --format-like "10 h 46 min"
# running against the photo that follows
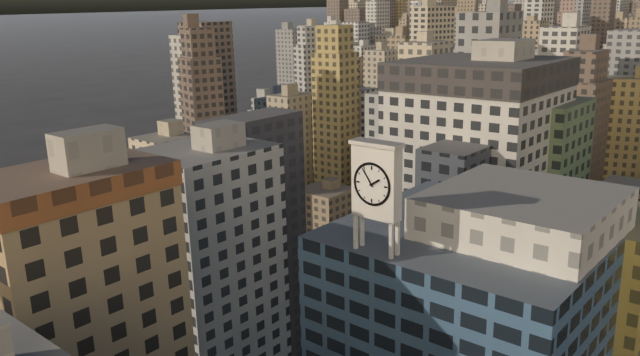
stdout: 1 h 54 min
